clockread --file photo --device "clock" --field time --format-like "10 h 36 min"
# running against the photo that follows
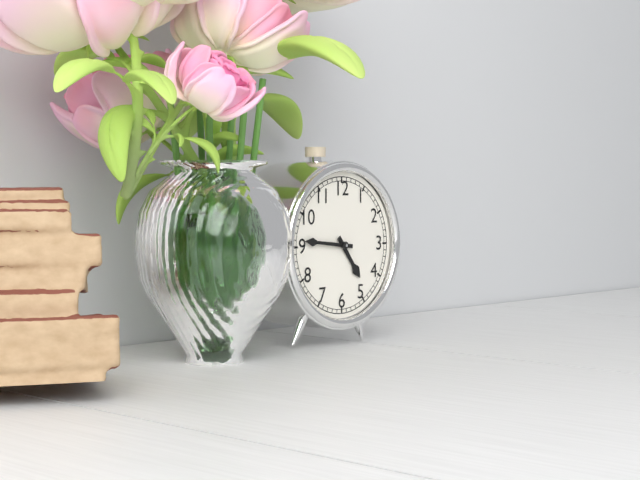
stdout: 4 h 46 min
